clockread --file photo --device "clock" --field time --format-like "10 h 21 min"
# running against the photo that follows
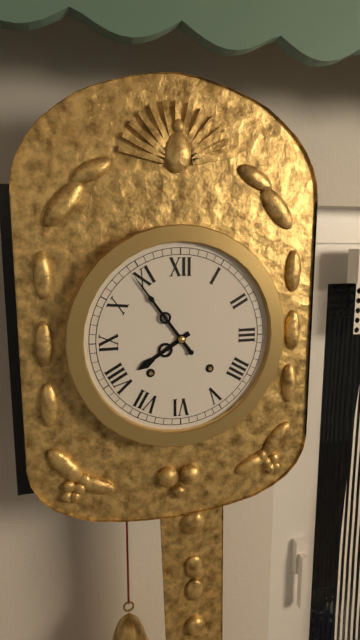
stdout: 7 h 54 min
